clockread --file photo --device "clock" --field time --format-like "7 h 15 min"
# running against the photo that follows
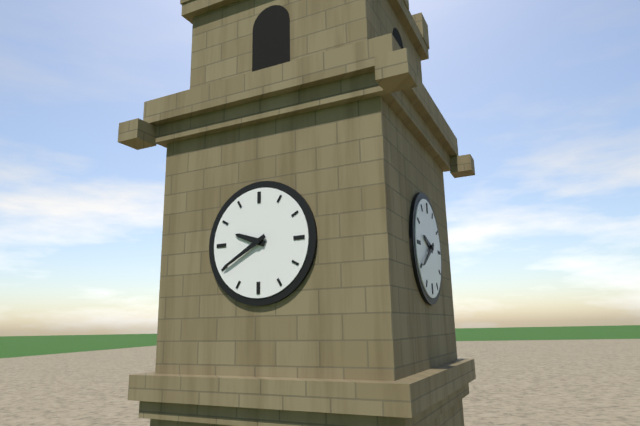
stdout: 9 h 40 min
